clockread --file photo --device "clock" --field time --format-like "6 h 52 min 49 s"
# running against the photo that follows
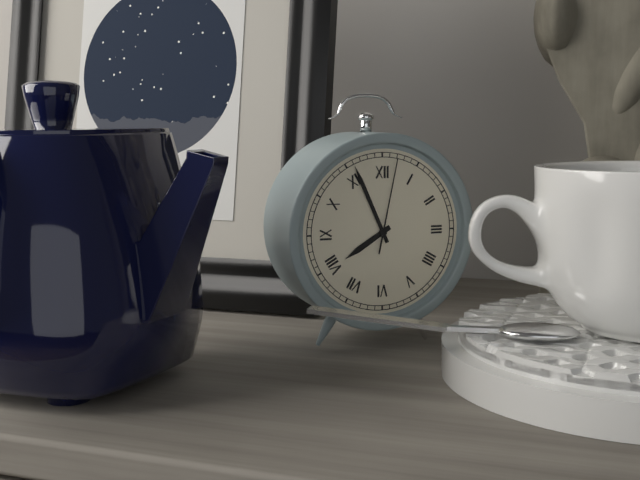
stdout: 7 h 56 min 02 s
